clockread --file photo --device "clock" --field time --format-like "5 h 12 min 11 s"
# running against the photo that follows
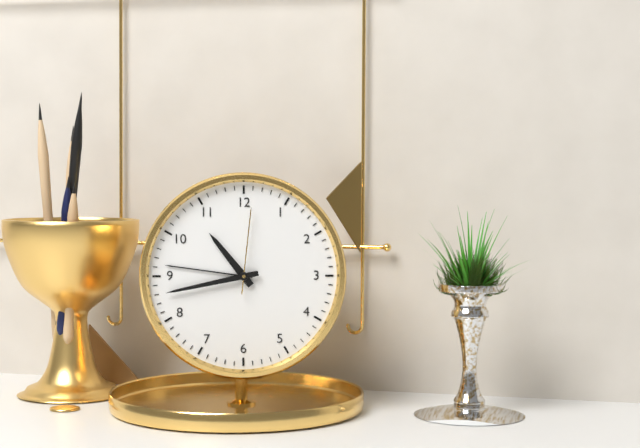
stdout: 10 h 43 min 01 s
